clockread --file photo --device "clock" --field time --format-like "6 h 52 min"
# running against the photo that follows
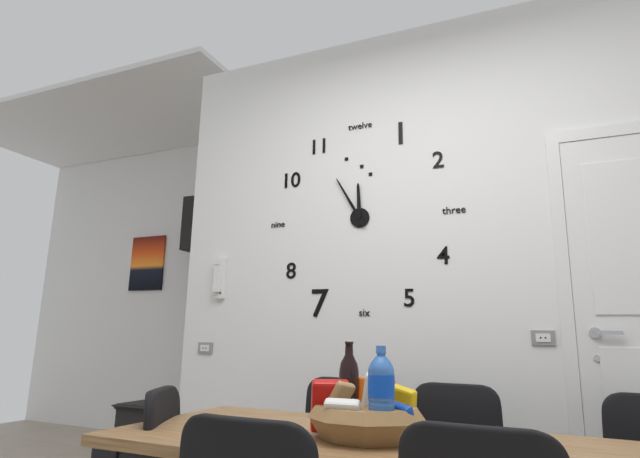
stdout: 11 h 55 min
